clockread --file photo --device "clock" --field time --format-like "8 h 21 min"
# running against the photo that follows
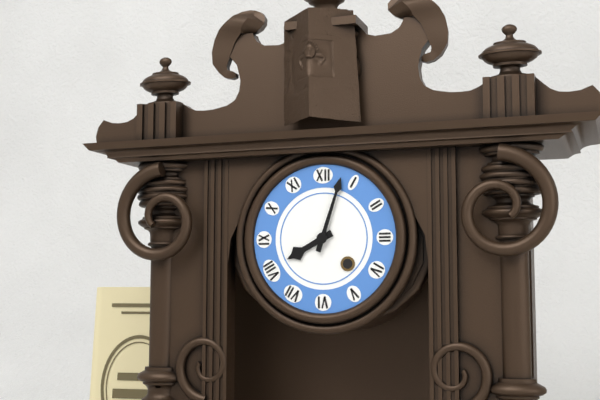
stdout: 8 h 03 min
